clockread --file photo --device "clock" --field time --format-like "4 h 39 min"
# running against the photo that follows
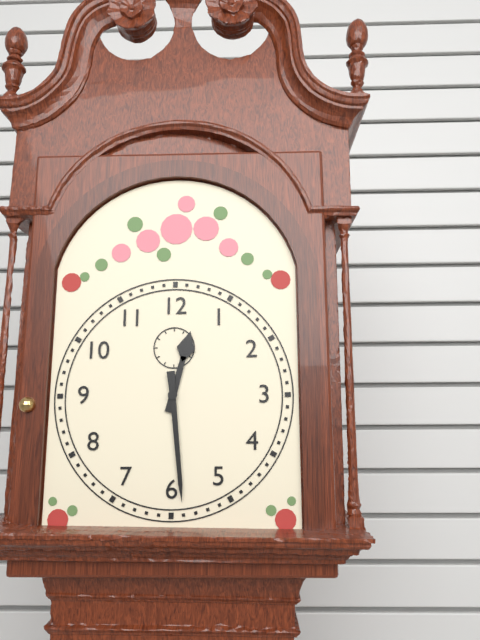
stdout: 12 h 29 min
